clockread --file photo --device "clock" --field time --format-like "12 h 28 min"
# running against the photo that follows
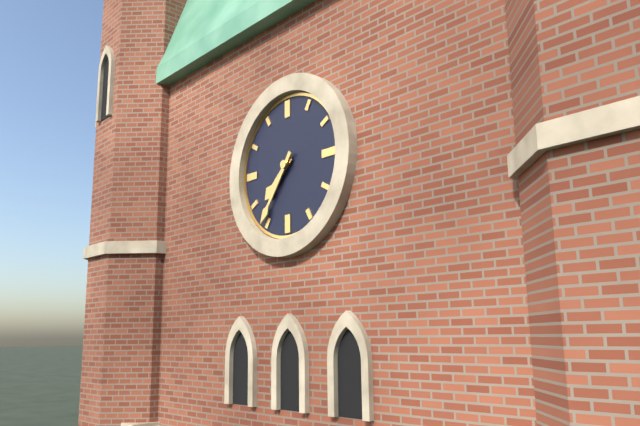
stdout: 7 h 36 min
